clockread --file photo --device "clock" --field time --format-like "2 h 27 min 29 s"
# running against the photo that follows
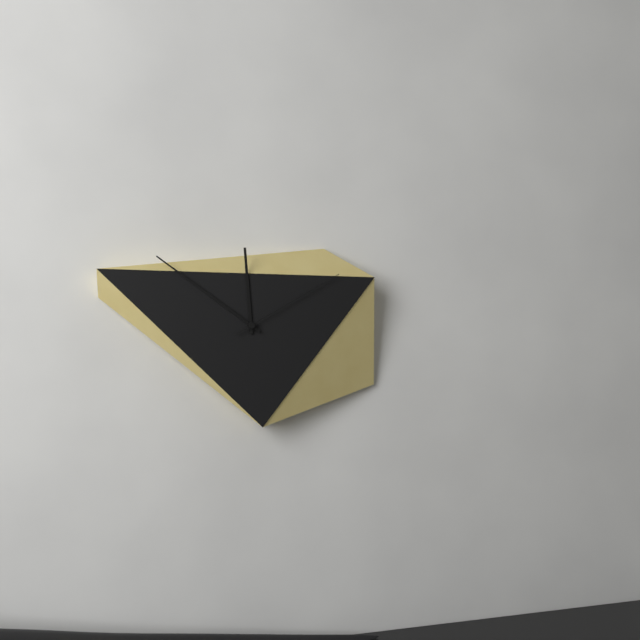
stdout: 11 h 51 min 10 s
